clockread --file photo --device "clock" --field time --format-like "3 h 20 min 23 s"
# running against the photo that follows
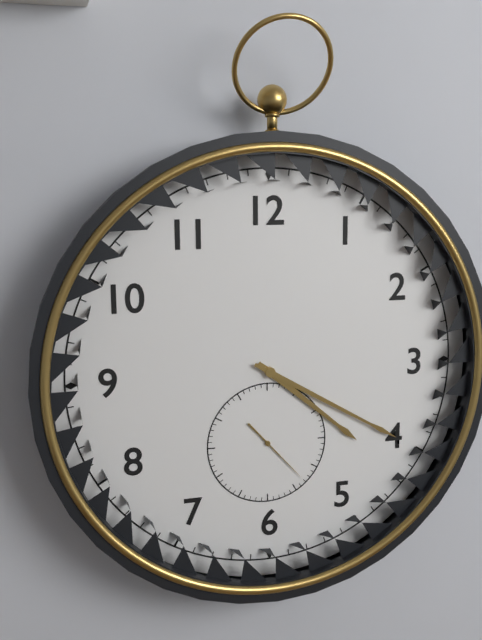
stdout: 4 h 20 min 23 s
